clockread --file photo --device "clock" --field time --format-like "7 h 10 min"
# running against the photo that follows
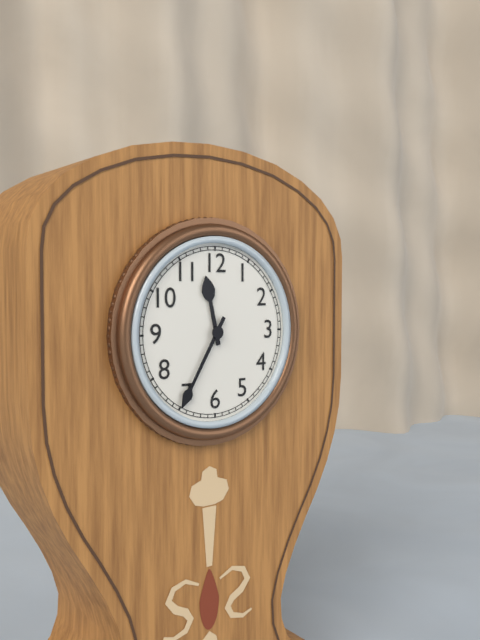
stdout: 11 h 35 min
